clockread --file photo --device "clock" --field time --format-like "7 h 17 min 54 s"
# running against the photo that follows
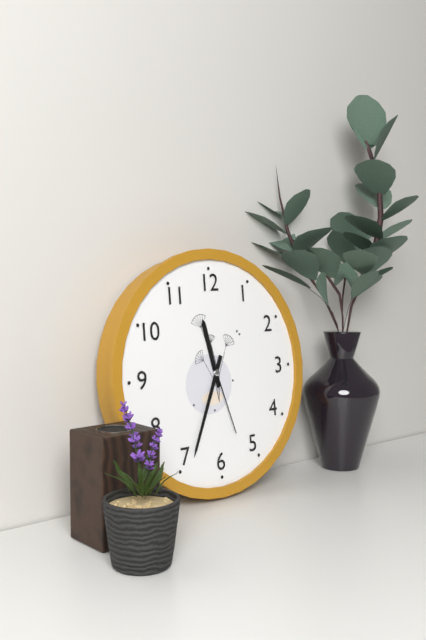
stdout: 11 h 34 min 27 s
